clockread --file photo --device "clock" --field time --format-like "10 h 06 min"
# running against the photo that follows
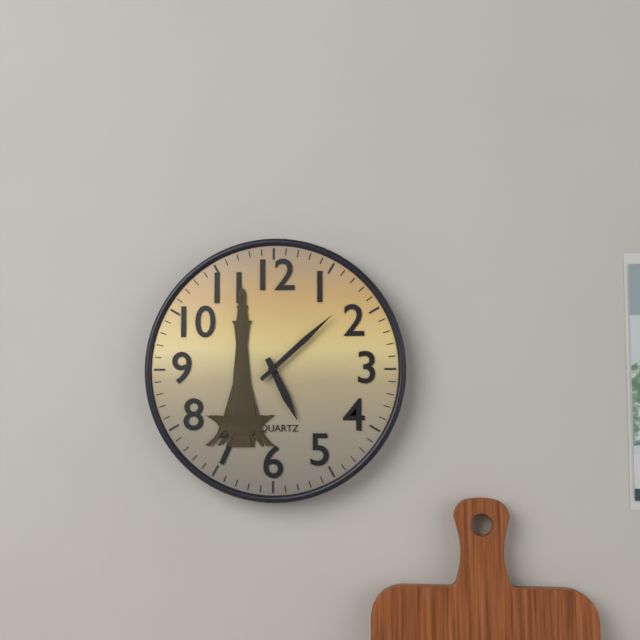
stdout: 5 h 08 min
